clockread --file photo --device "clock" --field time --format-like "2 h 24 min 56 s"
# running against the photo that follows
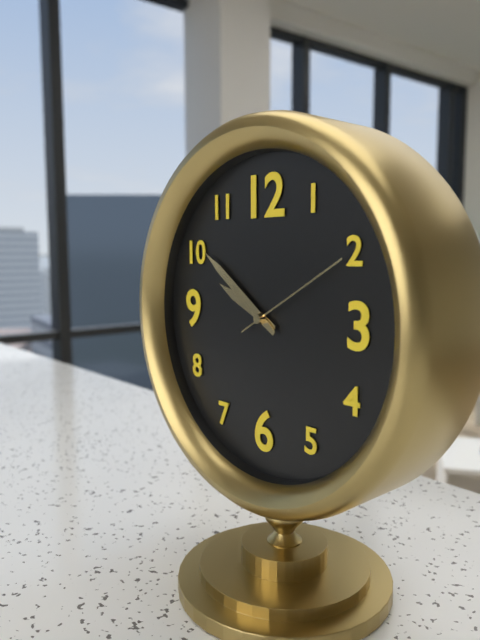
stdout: 9 h 51 min 10 s
